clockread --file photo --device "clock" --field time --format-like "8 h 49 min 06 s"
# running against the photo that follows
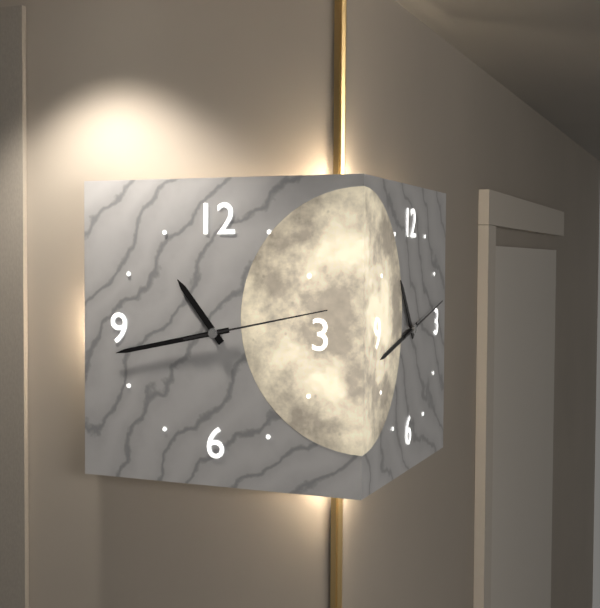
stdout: 10 h 43 min 13 s
